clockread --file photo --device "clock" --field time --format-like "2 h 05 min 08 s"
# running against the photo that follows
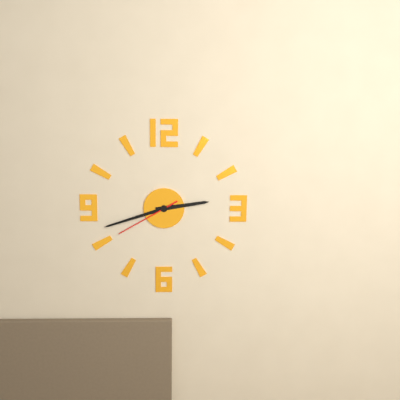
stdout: 2 h 42 min 40 s
